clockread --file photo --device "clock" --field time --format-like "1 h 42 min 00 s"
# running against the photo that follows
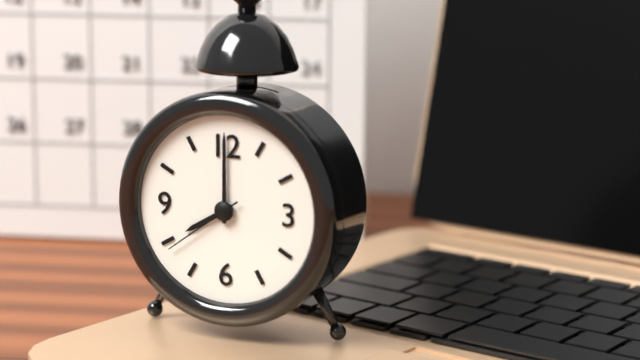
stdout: 8 h 00 min 39 s
